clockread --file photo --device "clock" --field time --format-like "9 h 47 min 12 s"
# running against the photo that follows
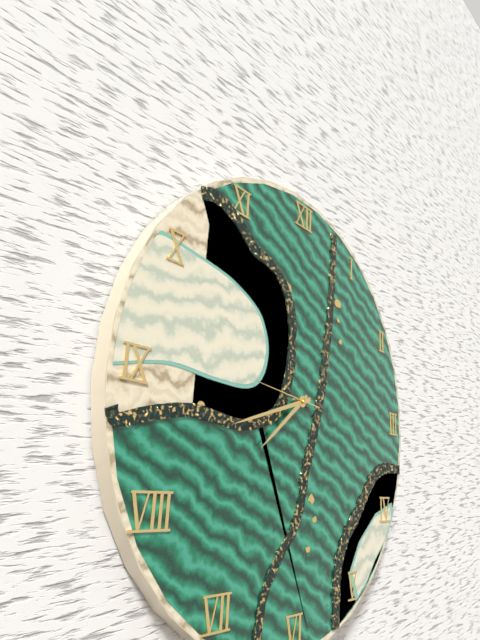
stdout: 7 h 42 min 46 s
